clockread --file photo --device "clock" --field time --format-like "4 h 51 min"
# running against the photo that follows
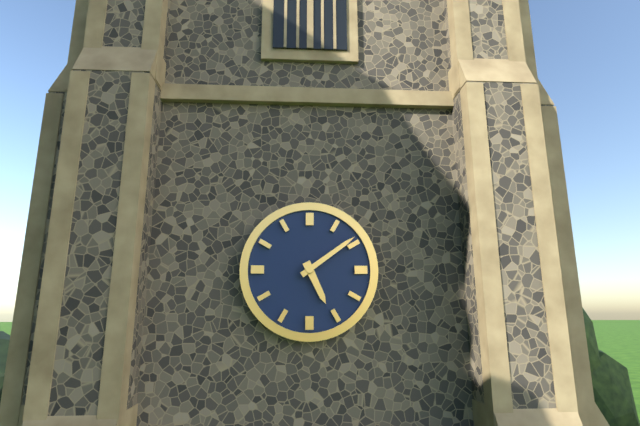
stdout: 5 h 09 min
